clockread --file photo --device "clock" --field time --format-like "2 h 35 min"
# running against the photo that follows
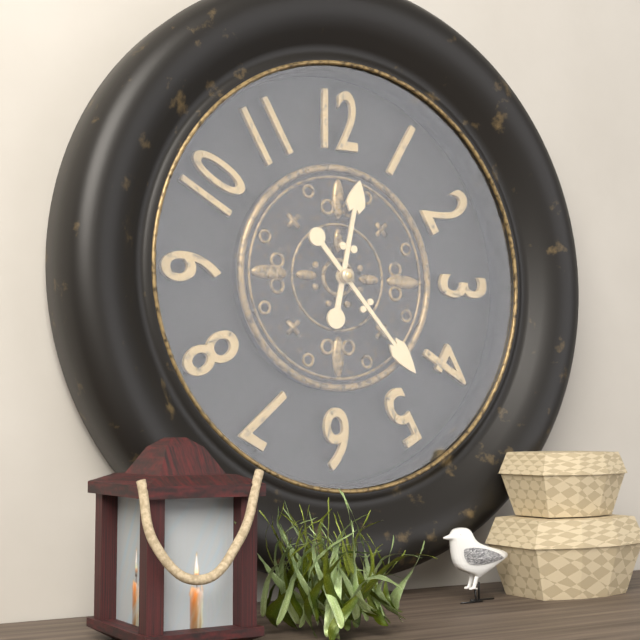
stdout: 12 h 23 min
